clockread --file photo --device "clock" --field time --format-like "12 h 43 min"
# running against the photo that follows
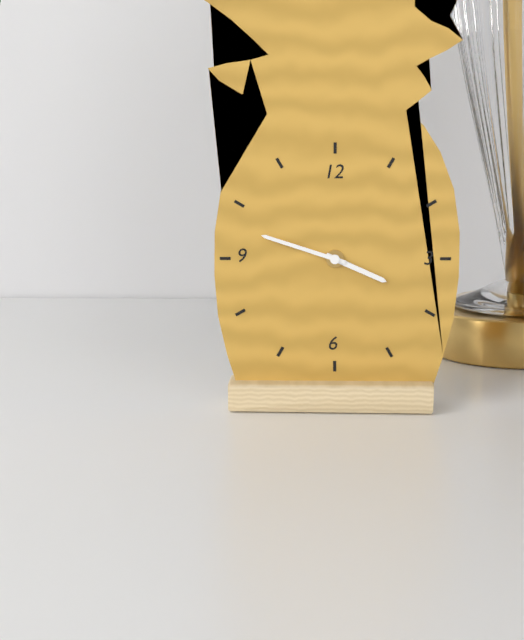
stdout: 3 h 48 min
